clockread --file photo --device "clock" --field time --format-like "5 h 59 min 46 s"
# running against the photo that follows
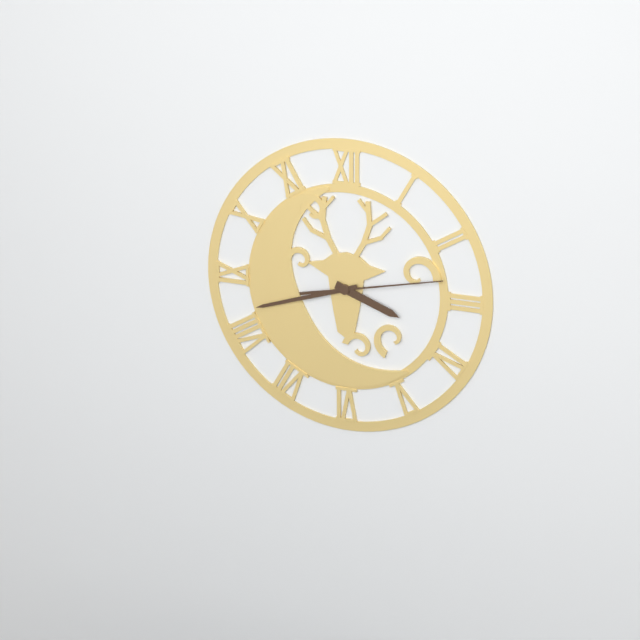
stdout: 3 h 42 min 13 s
